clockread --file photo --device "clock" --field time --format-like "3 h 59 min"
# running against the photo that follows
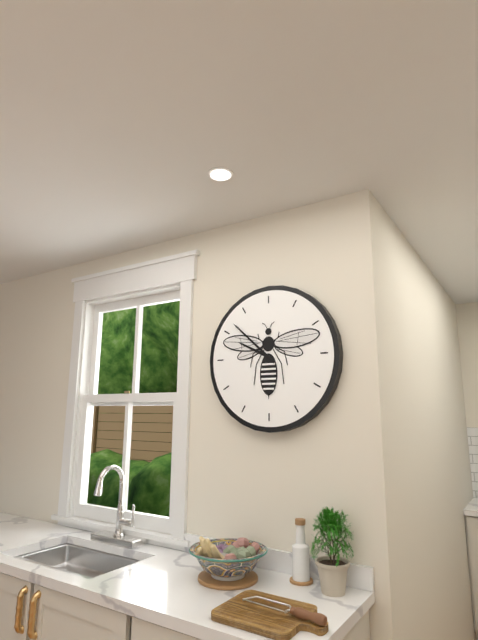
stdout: 9 h 52 min
